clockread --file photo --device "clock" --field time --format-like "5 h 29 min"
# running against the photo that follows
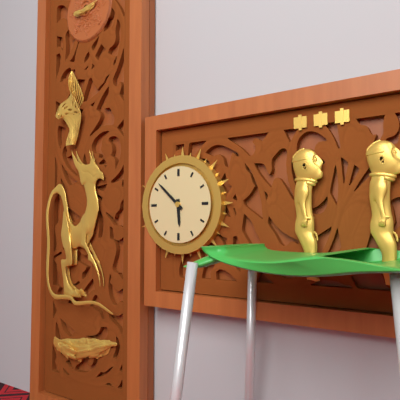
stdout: 5 h 52 min
